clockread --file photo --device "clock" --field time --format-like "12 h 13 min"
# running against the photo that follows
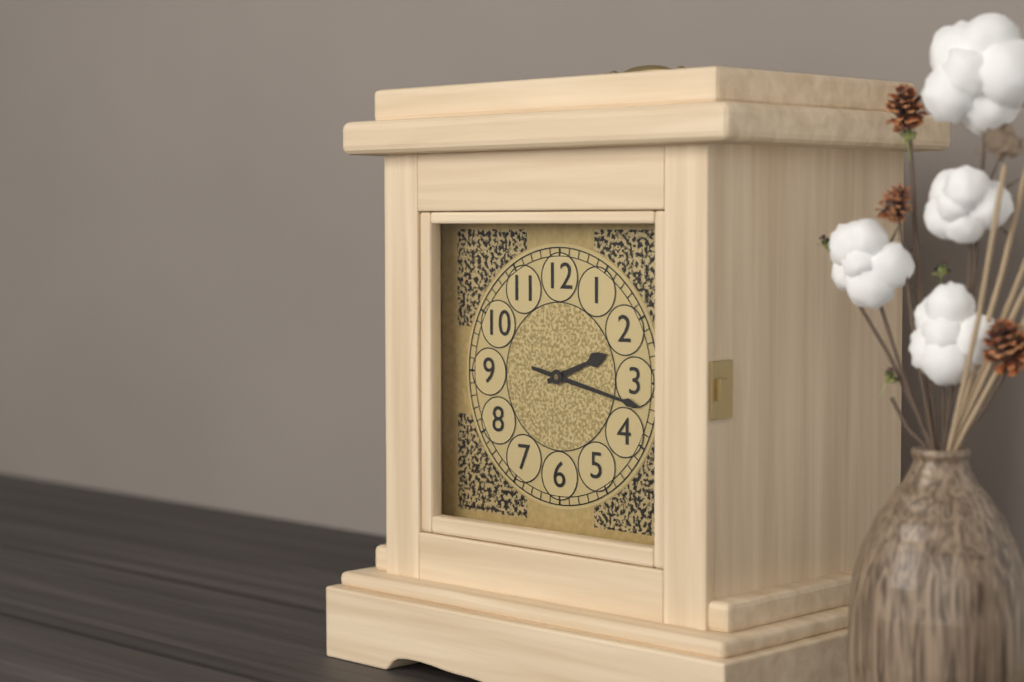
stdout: 2 h 17 min
